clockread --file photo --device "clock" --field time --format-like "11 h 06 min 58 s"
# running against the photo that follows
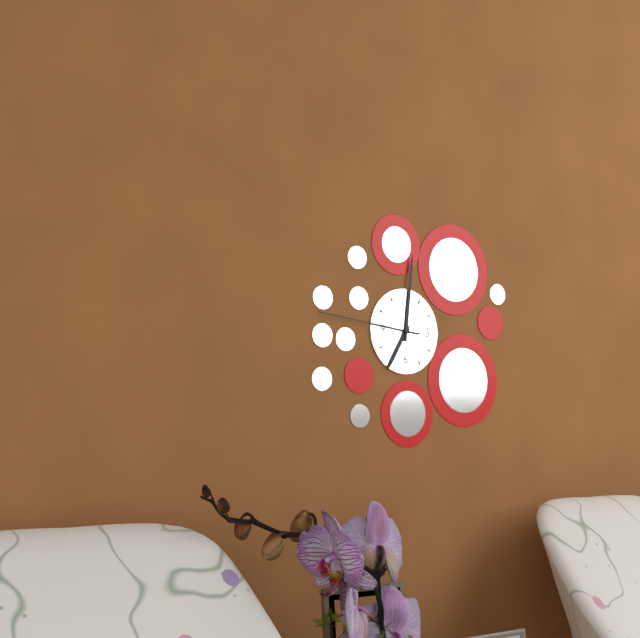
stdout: 7 h 01 min 46 s
